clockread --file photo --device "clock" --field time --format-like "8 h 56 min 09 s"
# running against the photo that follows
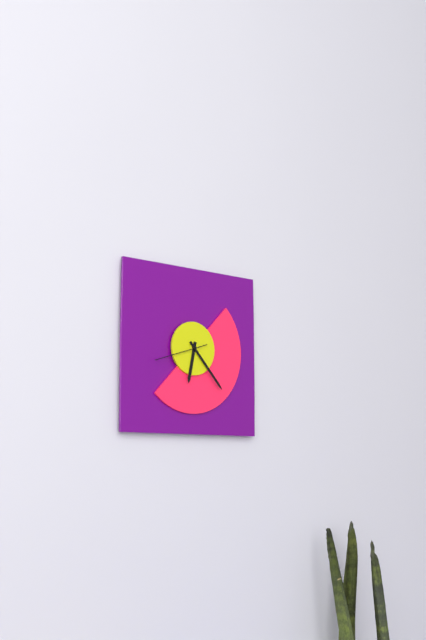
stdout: 6 h 23 min 42 s
